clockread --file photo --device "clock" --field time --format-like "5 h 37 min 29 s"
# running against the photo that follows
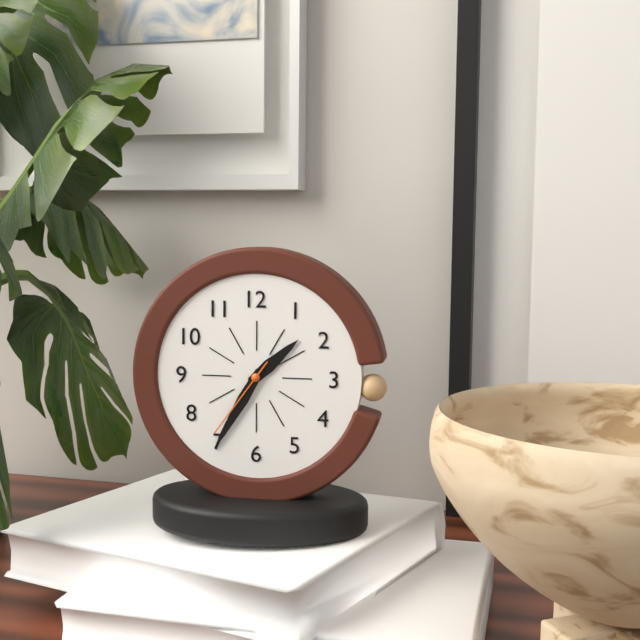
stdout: 1 h 35 min 36 s
